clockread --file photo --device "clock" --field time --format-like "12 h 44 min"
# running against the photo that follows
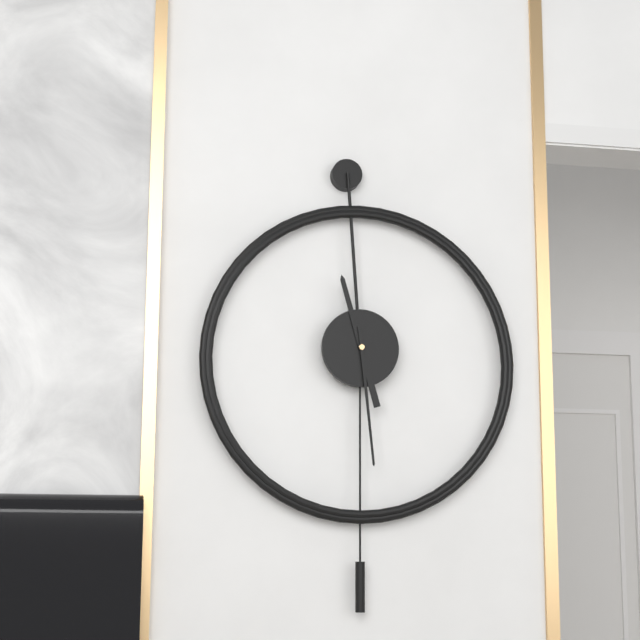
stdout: 11 h 29 min
